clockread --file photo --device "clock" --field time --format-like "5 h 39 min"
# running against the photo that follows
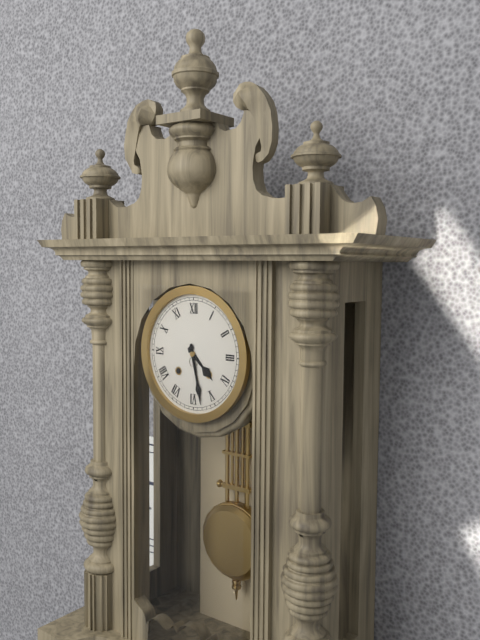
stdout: 4 h 28 min
